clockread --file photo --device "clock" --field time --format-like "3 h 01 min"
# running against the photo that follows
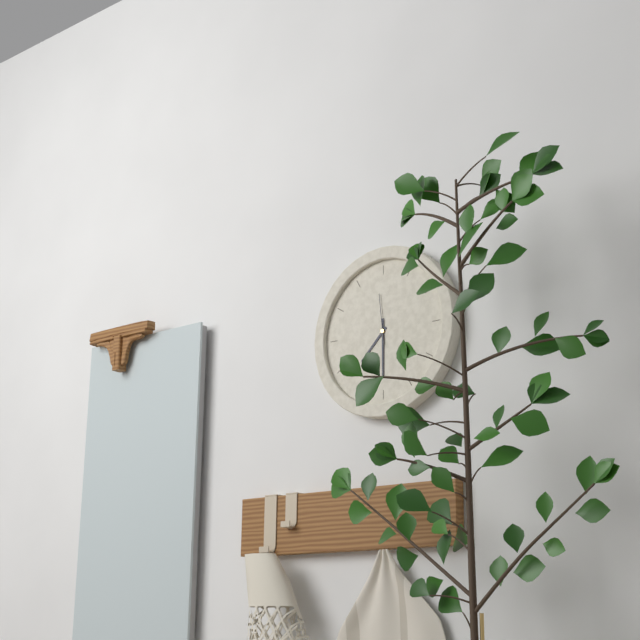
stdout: 7 h 30 min
